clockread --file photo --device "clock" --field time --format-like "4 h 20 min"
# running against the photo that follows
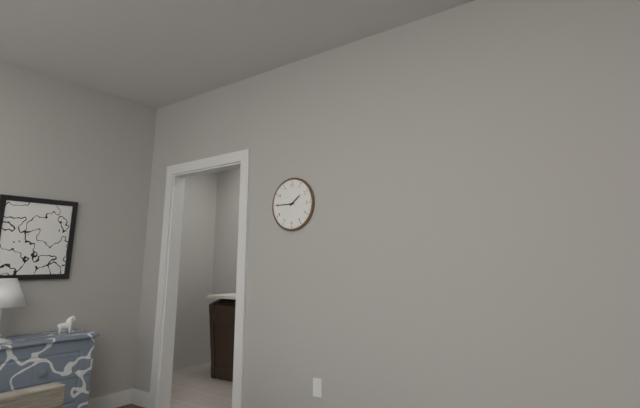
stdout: 1 h 45 min
